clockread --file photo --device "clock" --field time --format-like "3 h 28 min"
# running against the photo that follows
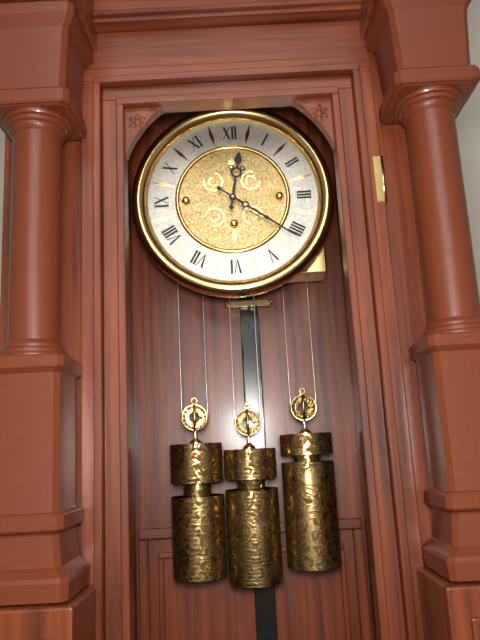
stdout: 12 h 21 min
